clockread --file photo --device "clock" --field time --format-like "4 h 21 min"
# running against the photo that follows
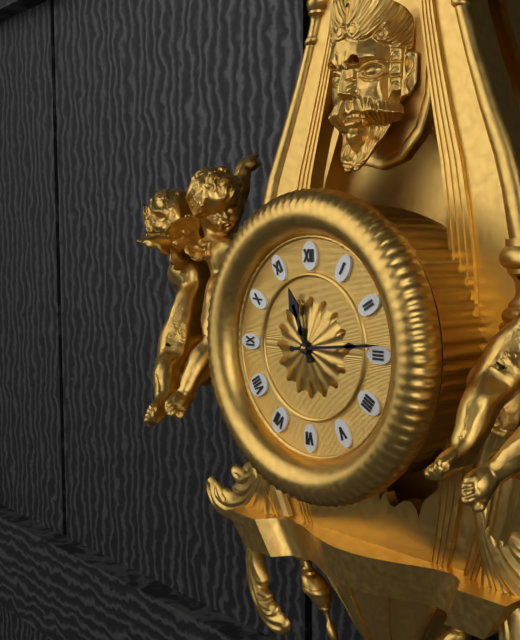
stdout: 11 h 14 min
